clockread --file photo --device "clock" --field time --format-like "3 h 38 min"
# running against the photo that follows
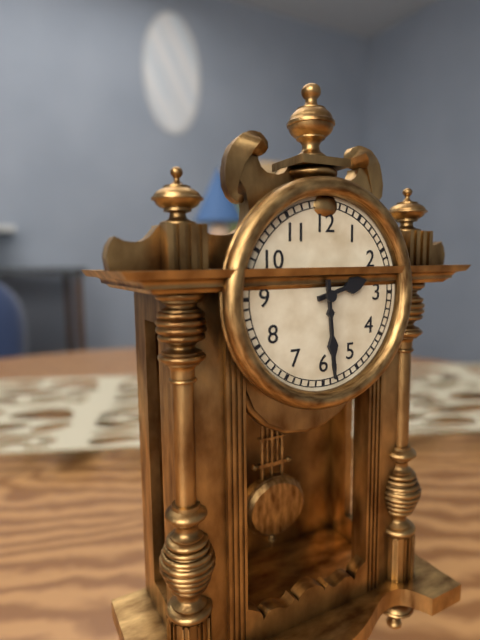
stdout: 2 h 29 min
